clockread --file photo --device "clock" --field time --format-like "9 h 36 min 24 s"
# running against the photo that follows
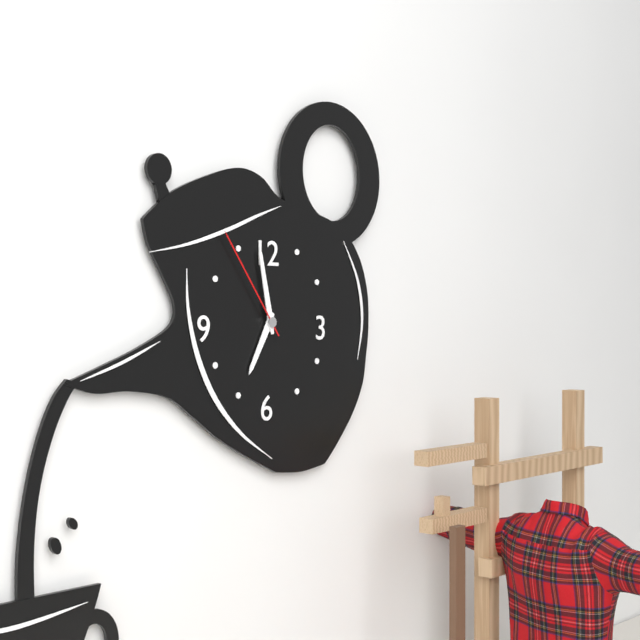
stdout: 6 h 58 min 54 s
